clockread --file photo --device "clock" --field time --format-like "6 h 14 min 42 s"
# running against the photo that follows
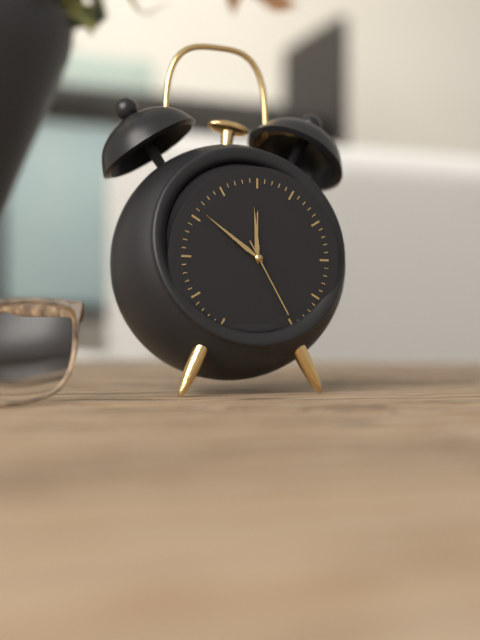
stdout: 11 h 51 min 25 s
